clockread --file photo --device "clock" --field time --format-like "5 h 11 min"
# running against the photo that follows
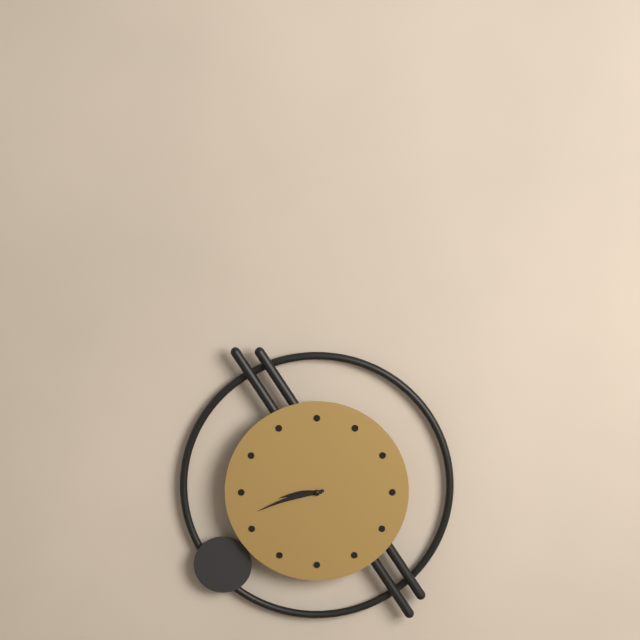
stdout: 8 h 42 min
